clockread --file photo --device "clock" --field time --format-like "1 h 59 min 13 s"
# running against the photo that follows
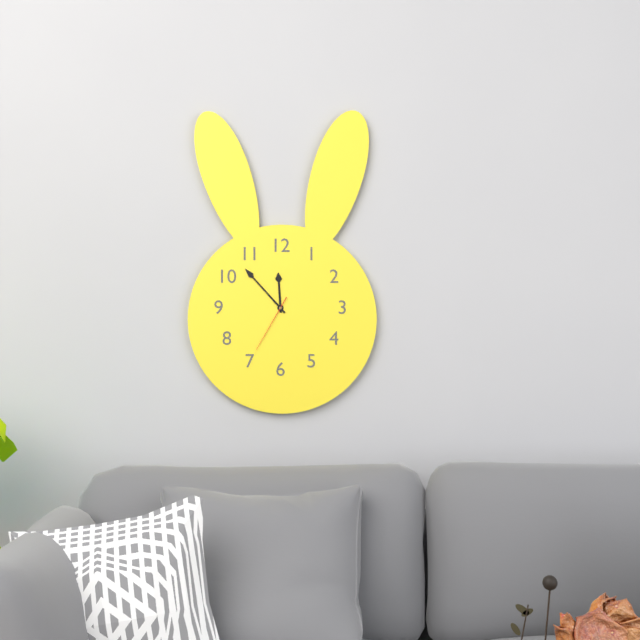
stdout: 11 h 53 min 35 s
